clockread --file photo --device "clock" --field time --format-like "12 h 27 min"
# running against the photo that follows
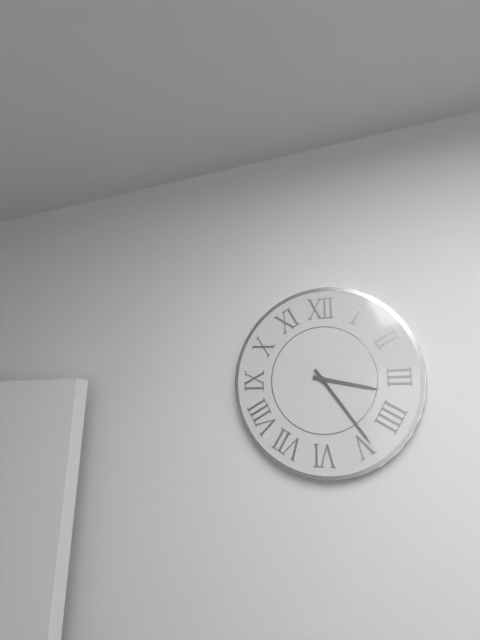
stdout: 3 h 24 min
